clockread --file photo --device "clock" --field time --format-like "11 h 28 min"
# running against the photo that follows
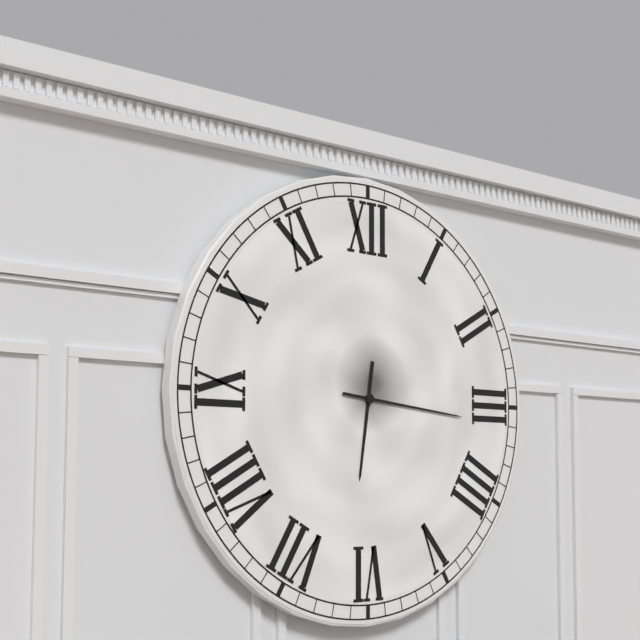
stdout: 6 h 16 min
